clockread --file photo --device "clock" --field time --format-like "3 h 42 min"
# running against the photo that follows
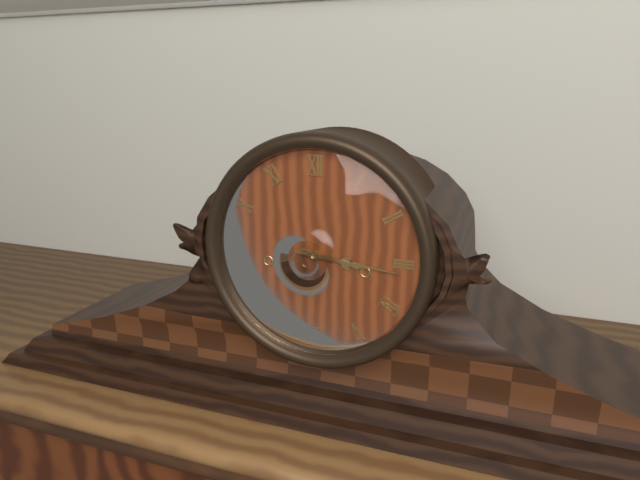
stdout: 3 h 16 min
